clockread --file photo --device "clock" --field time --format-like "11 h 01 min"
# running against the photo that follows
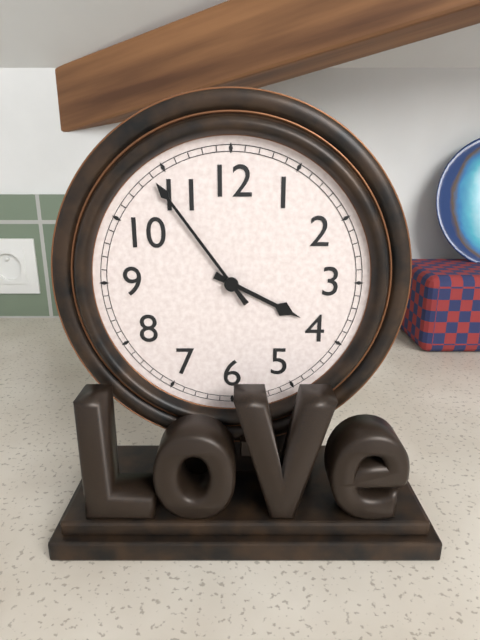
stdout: 3 h 54 min
